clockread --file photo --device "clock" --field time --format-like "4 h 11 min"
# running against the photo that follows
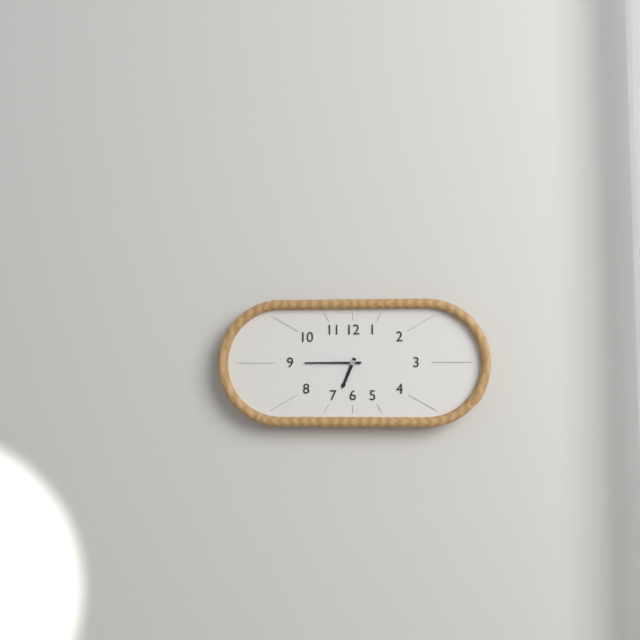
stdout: 6 h 45 min
